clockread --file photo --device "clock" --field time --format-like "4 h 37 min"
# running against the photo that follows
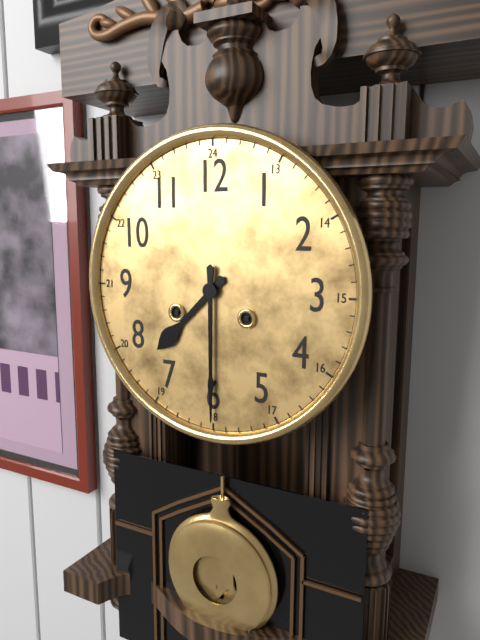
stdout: 7 h 30 min
